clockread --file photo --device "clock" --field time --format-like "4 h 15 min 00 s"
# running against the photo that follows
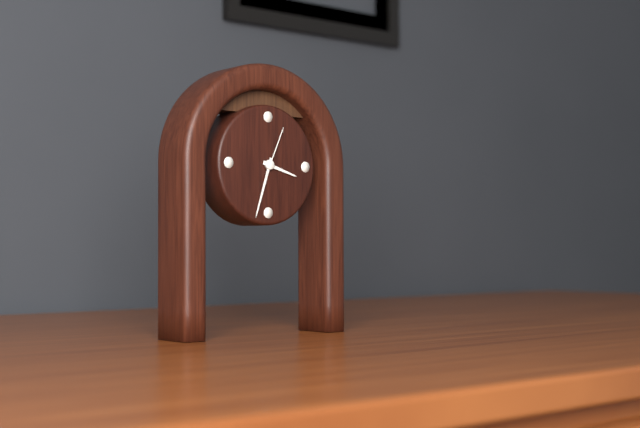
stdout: 3 h 33 min 04 s
